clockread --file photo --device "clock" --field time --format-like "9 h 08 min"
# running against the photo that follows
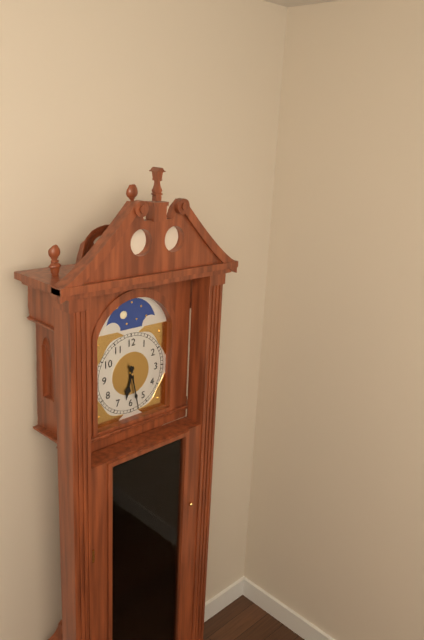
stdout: 6 h 28 min
